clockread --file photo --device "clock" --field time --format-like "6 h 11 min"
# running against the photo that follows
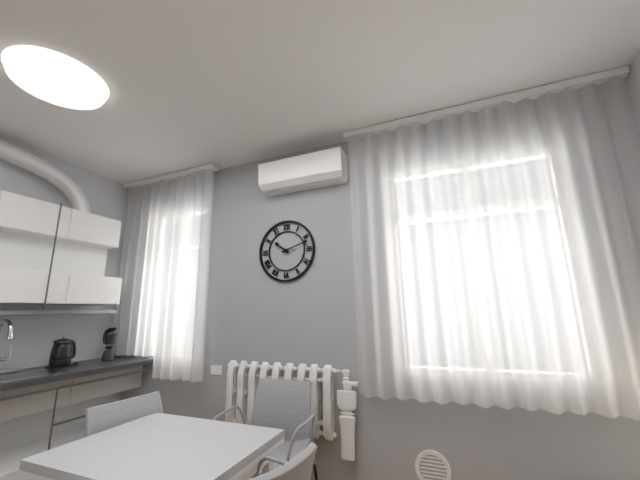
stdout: 10 h 12 min
